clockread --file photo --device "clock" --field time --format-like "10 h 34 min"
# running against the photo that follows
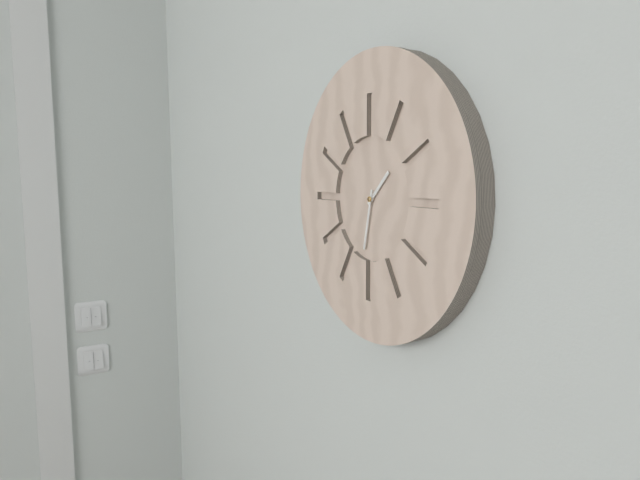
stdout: 1 h 32 min
